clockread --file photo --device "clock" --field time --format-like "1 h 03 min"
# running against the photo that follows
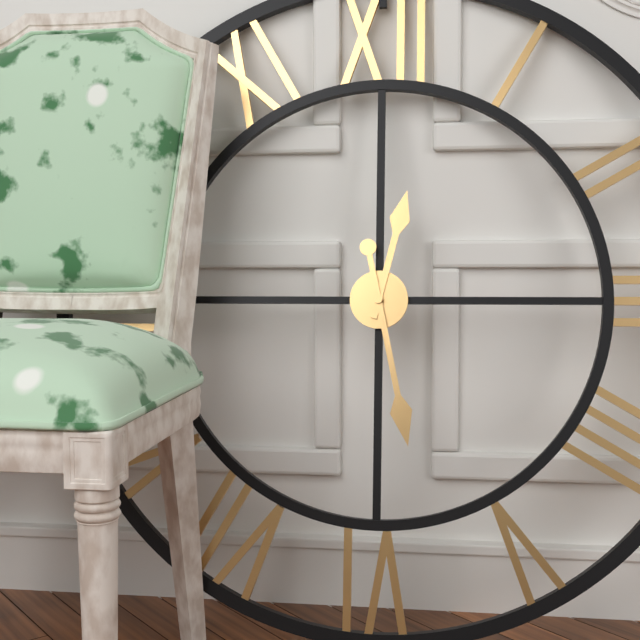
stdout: 12 h 28 min
